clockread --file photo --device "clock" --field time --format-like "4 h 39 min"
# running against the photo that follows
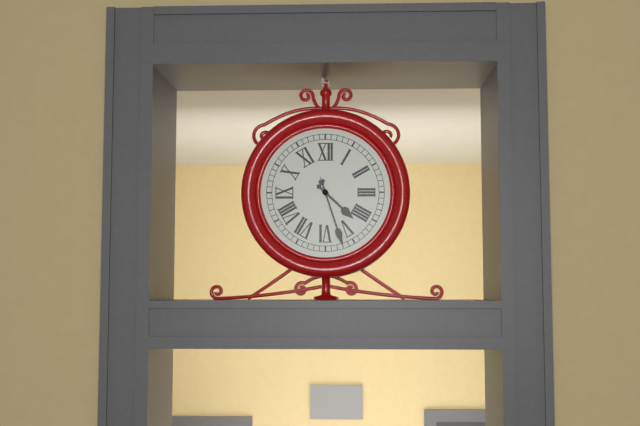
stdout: 4 h 27 min
